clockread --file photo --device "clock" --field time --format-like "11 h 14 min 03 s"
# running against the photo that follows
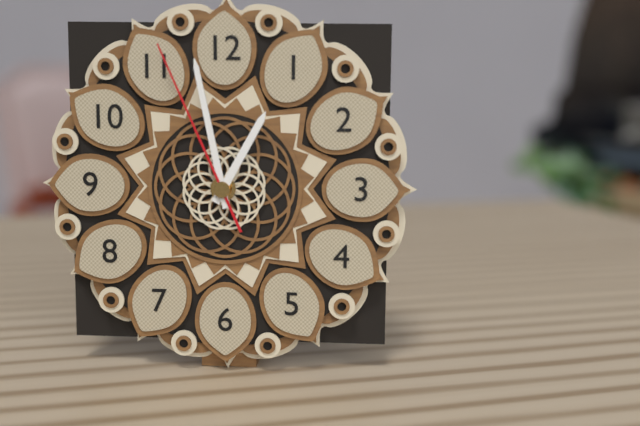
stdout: 12 h 58 min 56 s
